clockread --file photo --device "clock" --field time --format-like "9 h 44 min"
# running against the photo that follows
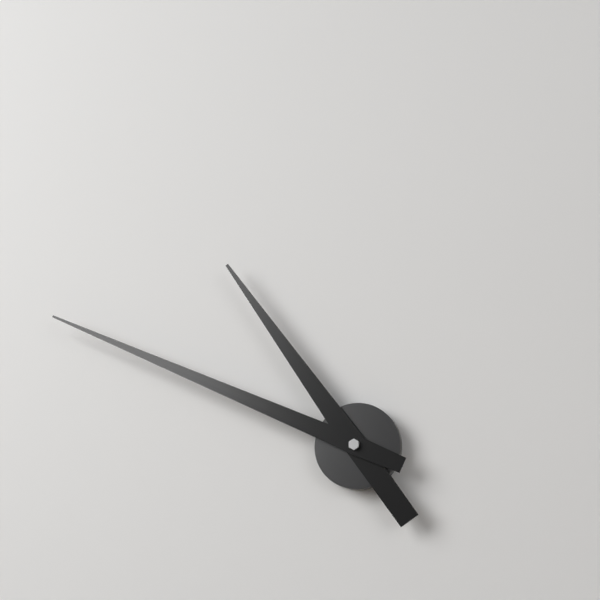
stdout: 10 h 49 min
